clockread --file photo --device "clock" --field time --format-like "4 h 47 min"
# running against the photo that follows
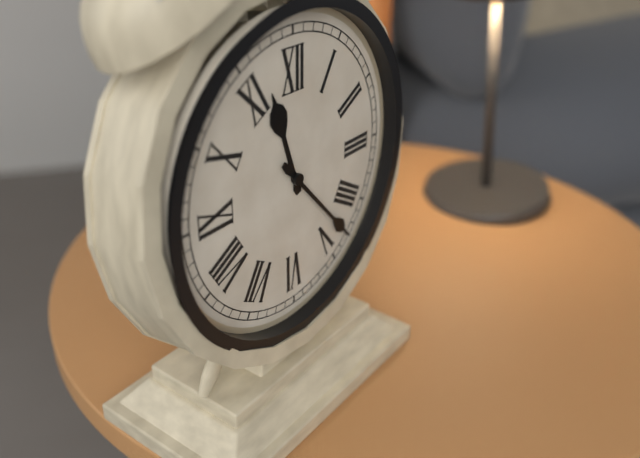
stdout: 11 h 23 min
